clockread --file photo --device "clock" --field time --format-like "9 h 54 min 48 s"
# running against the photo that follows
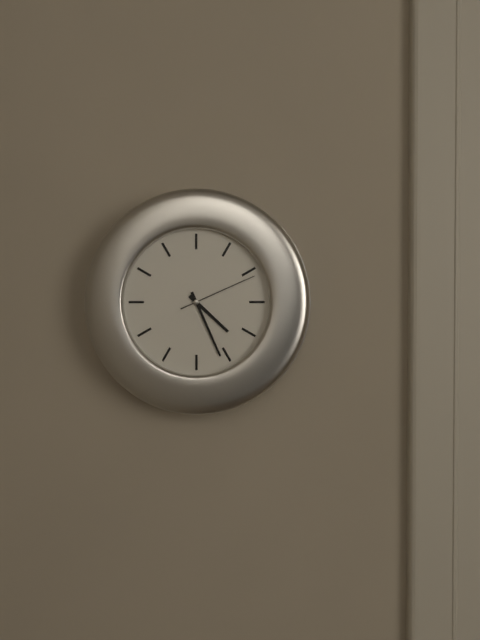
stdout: 4 h 26 min 11 s
